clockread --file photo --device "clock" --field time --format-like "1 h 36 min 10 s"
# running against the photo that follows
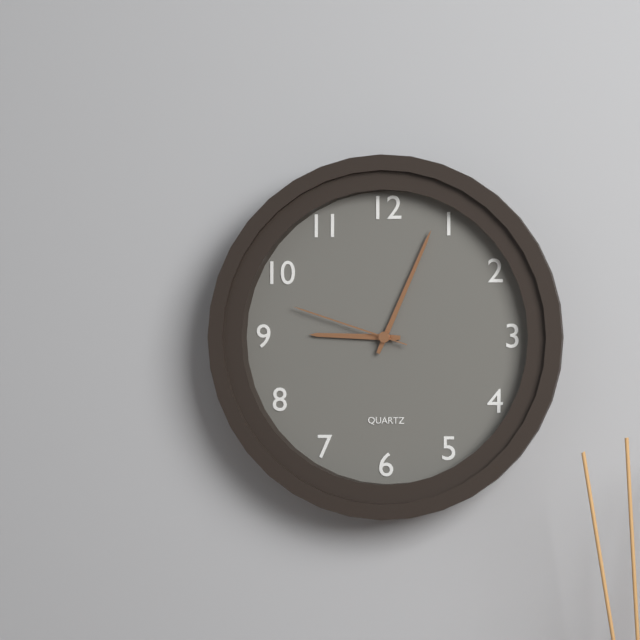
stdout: 9 h 04 min 48 s
